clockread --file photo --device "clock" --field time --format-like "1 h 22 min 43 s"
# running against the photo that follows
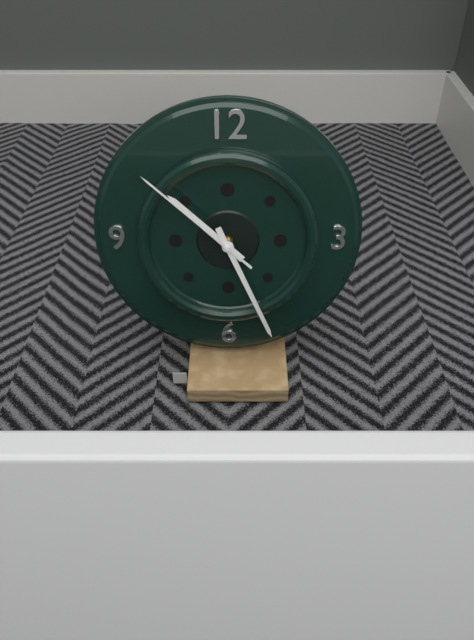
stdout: 10 h 26 min 52 s
